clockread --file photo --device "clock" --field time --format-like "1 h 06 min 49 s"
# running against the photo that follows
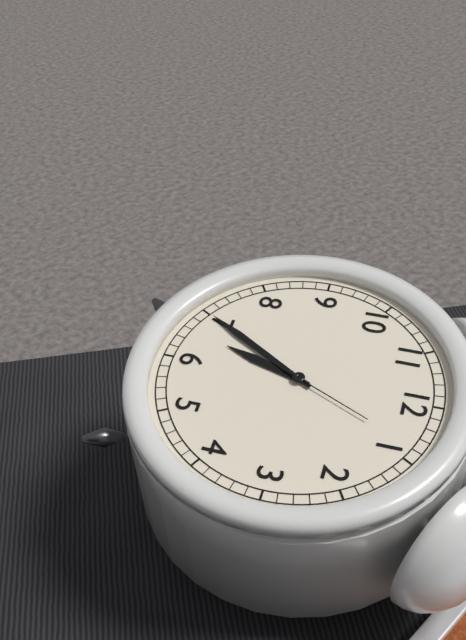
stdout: 6 h 35 min 04 s
